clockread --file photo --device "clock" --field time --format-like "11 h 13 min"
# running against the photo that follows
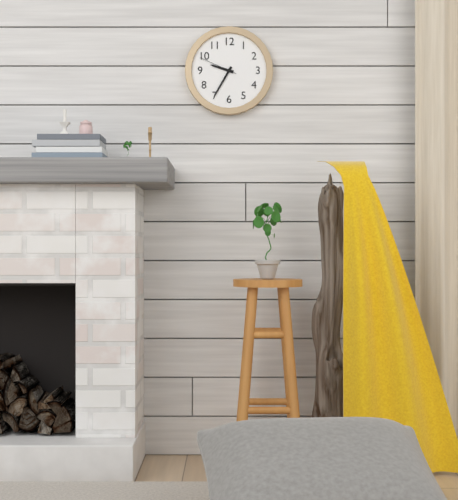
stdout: 9 h 35 min
